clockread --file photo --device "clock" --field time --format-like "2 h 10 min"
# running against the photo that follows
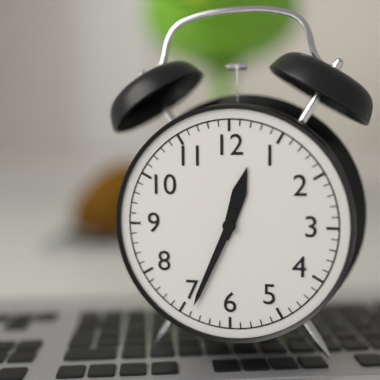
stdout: 12 h 34 min
